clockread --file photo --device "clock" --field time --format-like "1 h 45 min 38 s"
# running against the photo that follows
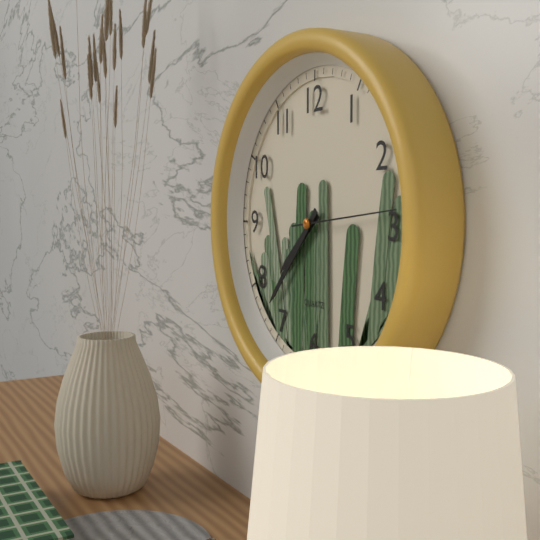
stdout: 7 h 37 min 14 s
